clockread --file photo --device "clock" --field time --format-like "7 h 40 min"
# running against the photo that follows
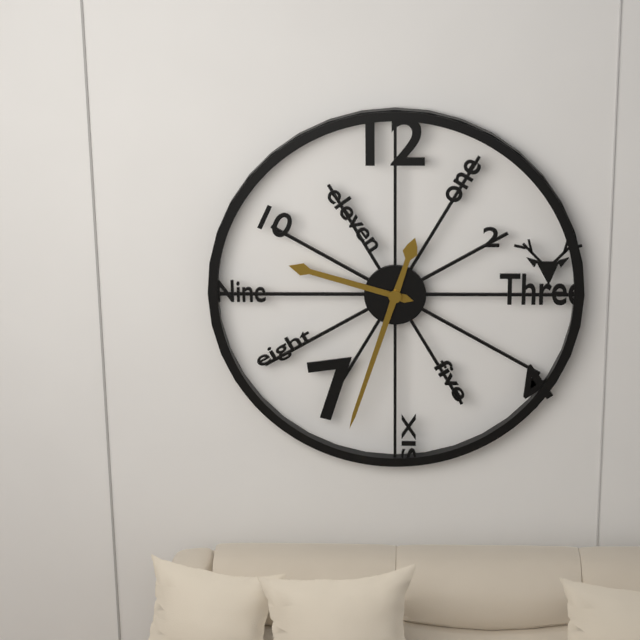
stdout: 9 h 33 min
